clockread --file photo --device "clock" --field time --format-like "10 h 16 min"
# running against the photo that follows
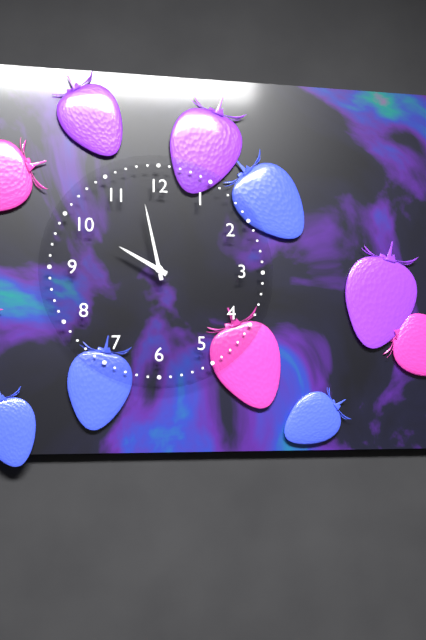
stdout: 9 h 58 min
